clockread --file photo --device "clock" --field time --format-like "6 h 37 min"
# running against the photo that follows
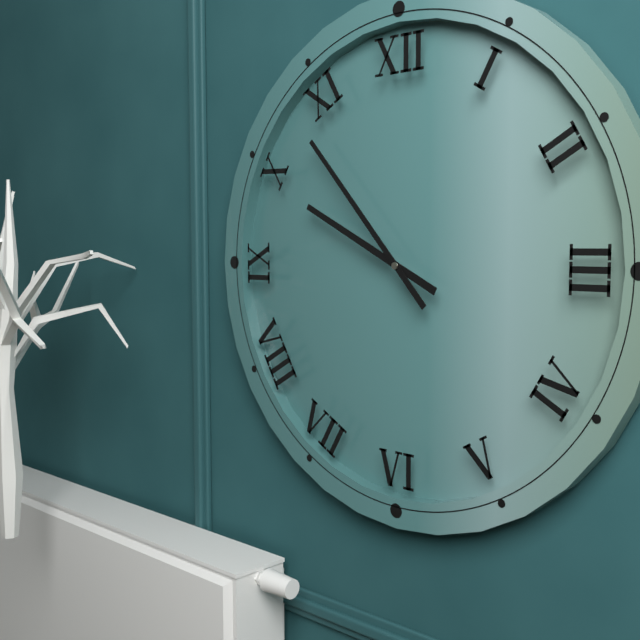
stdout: 9 h 53 min
